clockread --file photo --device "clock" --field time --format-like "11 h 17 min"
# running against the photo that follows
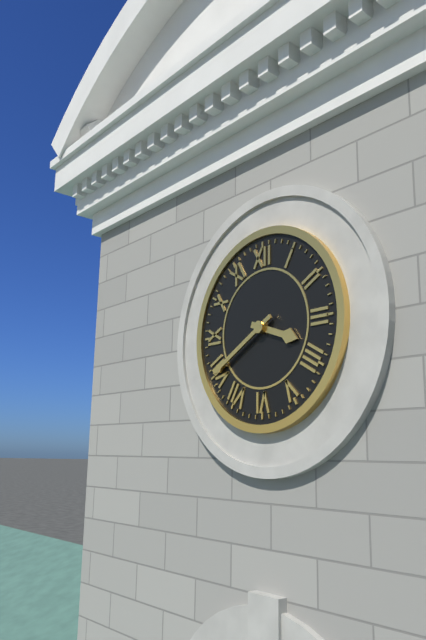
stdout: 3 h 40 min
